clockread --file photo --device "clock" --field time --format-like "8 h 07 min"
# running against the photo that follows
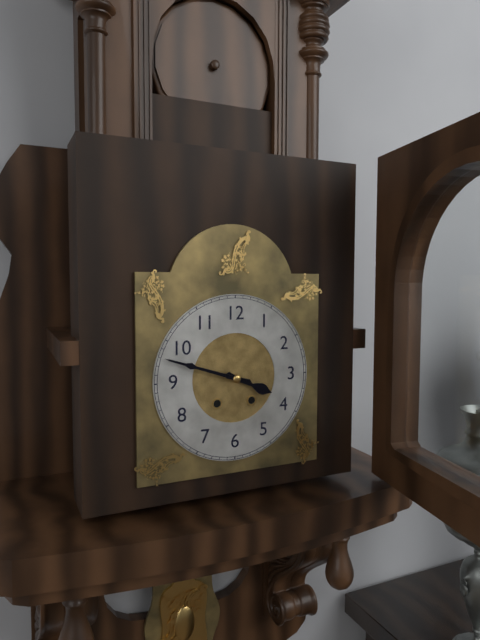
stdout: 3 h 48 min
